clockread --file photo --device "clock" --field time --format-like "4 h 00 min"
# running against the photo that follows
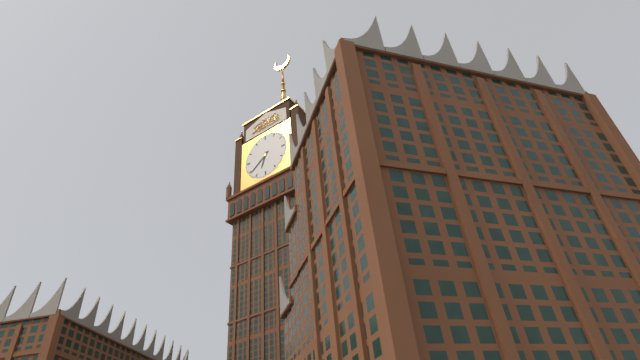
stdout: 6 h 39 min
